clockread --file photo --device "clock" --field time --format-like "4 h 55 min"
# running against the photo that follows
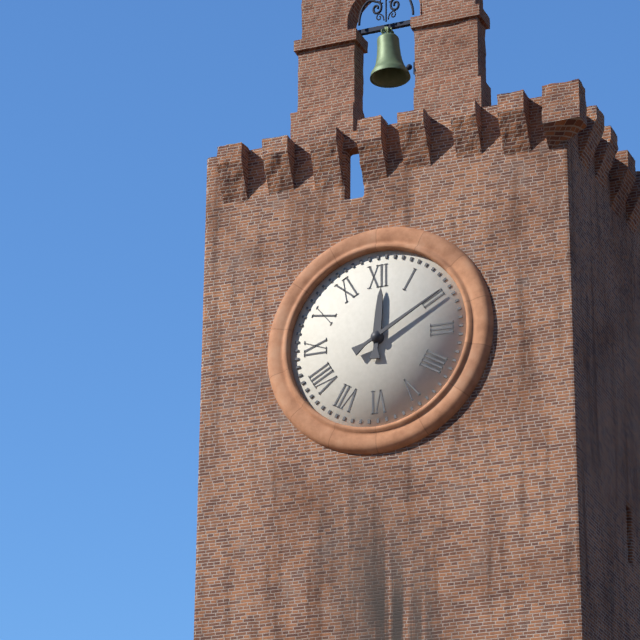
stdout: 12 h 10 min
